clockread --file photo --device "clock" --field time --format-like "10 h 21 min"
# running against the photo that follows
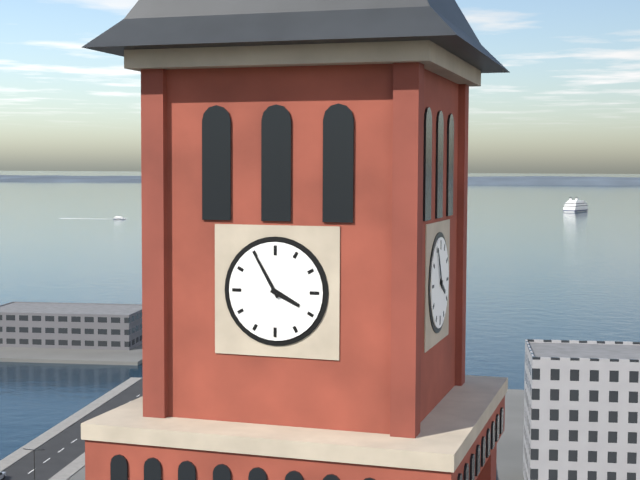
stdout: 3 h 55 min
